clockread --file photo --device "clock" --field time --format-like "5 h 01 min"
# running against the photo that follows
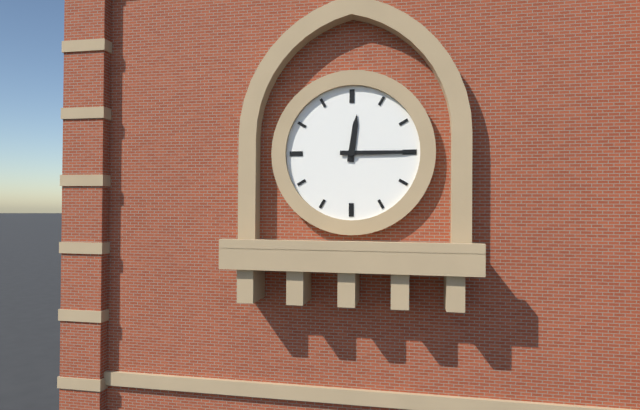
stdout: 12 h 15 min
